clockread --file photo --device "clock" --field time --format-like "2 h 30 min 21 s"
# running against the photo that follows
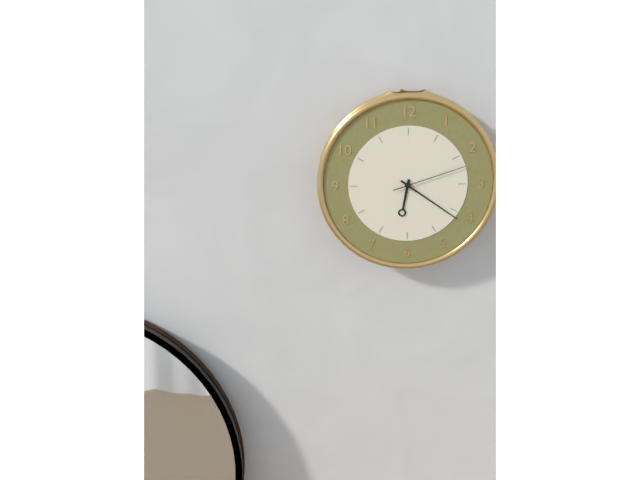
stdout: 6 h 21 min 12 s
